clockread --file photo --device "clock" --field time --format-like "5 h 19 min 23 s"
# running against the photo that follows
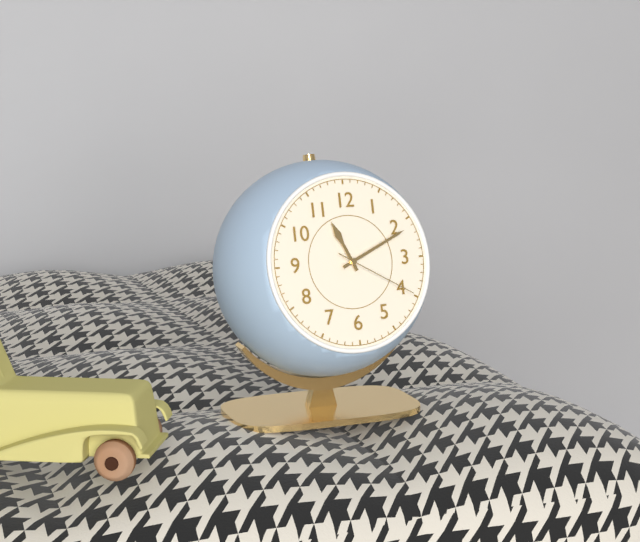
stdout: 11 h 11 min 20 s
